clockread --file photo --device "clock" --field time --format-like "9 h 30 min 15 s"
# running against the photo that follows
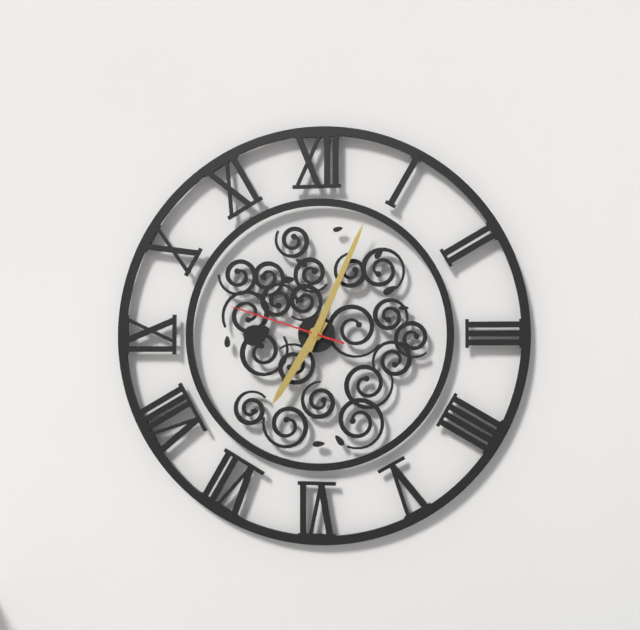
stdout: 7 h 04 min 48 s
